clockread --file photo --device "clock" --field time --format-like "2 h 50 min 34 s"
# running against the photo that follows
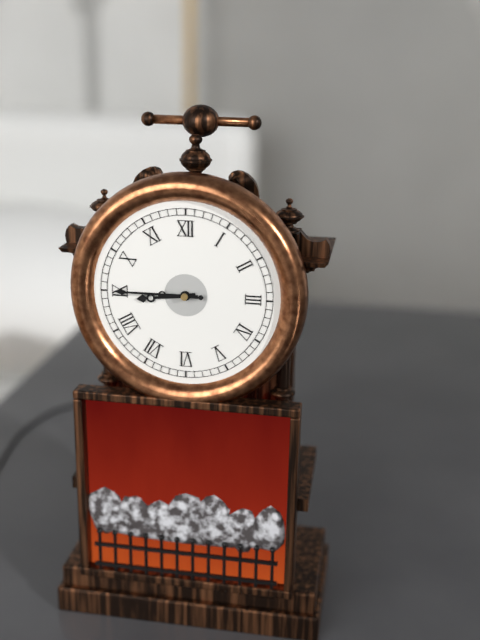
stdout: 8 h 45 min 45 s
